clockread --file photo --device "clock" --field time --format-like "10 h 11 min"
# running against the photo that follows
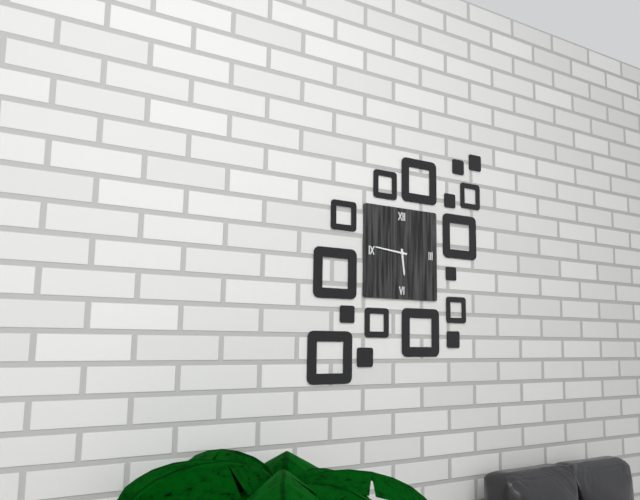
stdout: 5 h 46 min
